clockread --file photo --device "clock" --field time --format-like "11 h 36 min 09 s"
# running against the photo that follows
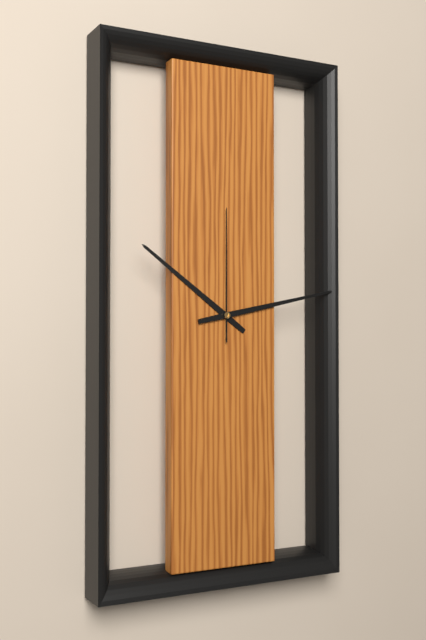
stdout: 10 h 13 min 00 s
